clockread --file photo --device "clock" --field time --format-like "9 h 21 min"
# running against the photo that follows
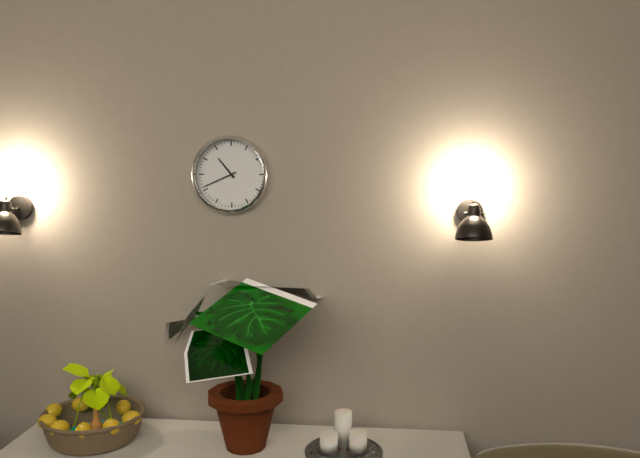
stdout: 10 h 41 min
